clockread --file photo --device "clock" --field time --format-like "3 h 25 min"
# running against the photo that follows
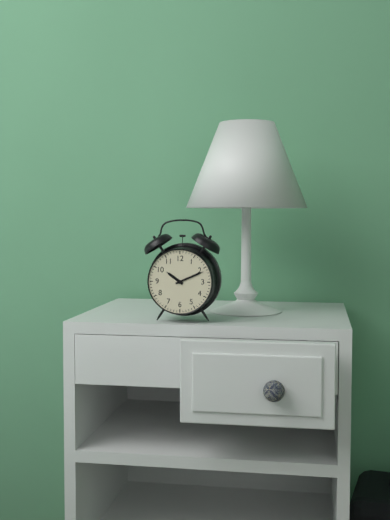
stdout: 10 h 11 min
